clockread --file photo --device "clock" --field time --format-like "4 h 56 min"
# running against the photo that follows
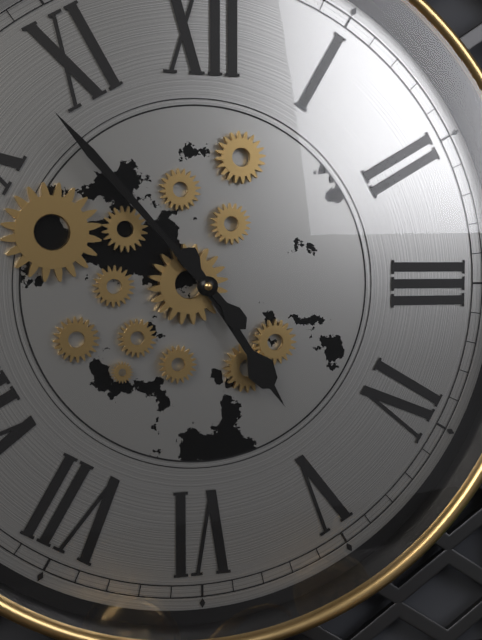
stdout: 4 h 53 min
